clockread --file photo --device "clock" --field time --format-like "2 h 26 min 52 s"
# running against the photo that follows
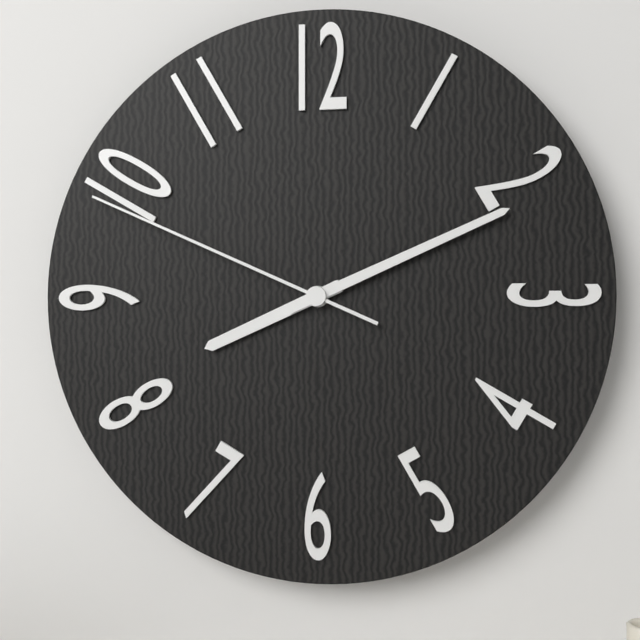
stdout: 8 h 11 min 49 s
